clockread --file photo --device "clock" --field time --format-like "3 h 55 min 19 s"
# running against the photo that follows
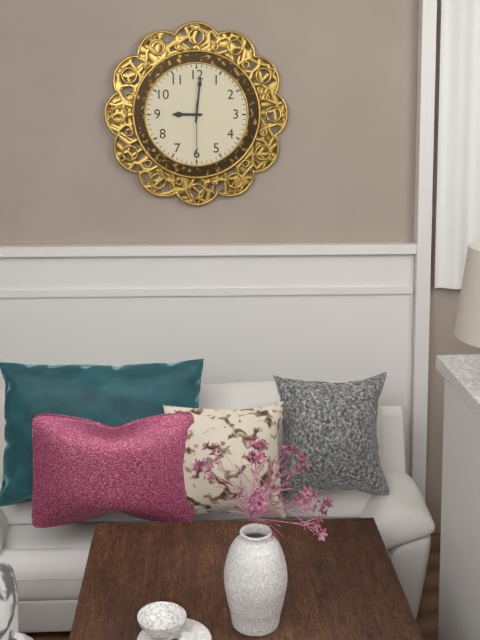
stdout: 9 h 01 min 30 s
